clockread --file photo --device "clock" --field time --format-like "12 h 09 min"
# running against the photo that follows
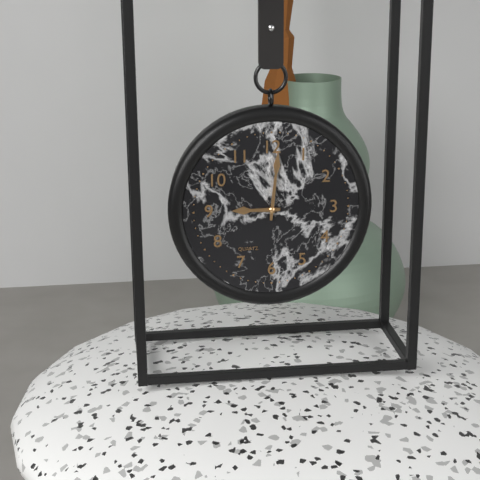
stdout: 9 h 01 min
